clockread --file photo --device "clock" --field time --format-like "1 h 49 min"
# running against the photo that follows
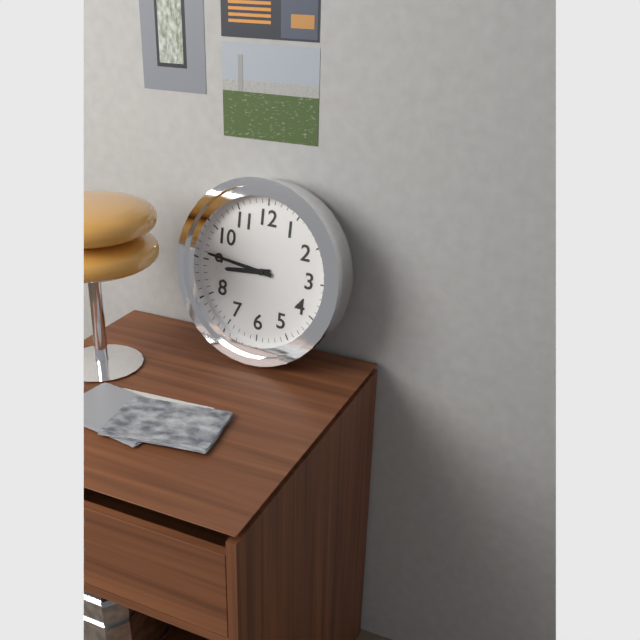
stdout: 8 h 46 min
